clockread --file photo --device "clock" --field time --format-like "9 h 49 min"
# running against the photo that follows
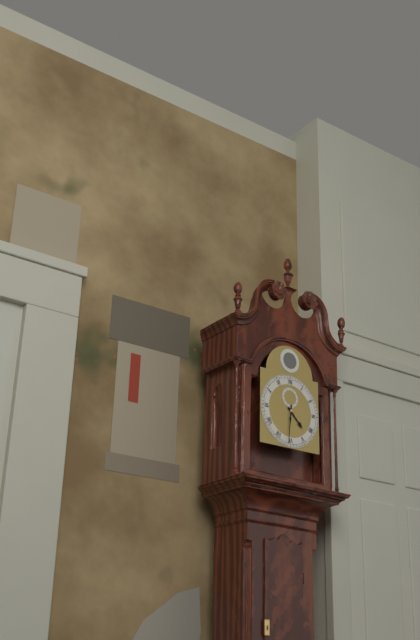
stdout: 4 h 31 min
